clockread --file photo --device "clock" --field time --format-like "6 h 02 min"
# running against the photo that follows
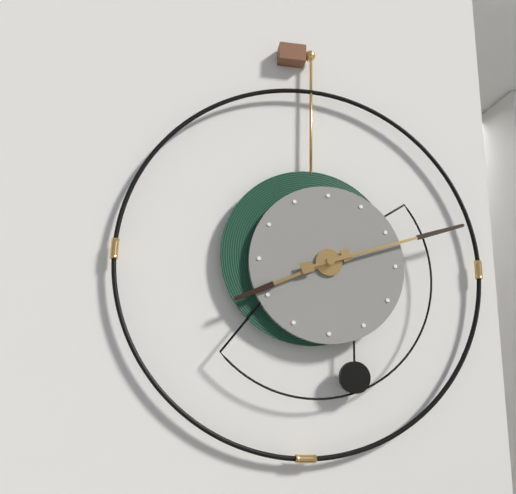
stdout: 8 h 12 min
